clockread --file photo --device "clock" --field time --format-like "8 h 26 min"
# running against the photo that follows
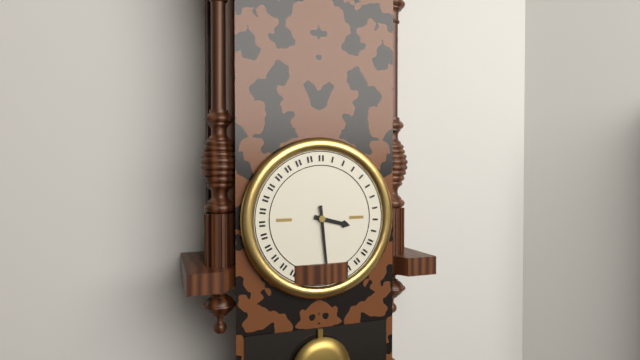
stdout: 3 h 29 min
